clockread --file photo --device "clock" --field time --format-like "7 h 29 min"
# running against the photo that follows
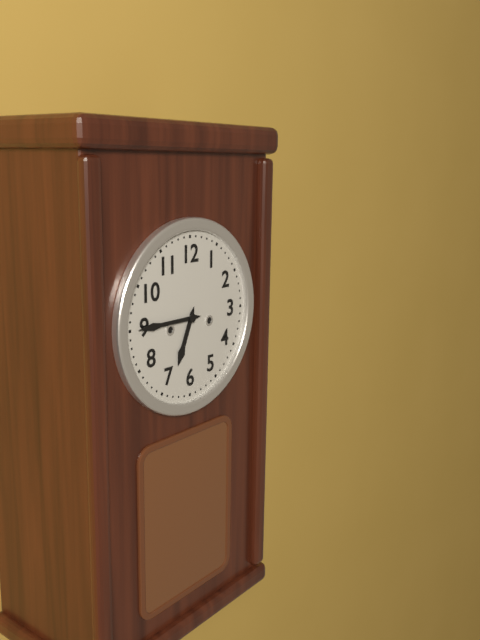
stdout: 6 h 45 min
